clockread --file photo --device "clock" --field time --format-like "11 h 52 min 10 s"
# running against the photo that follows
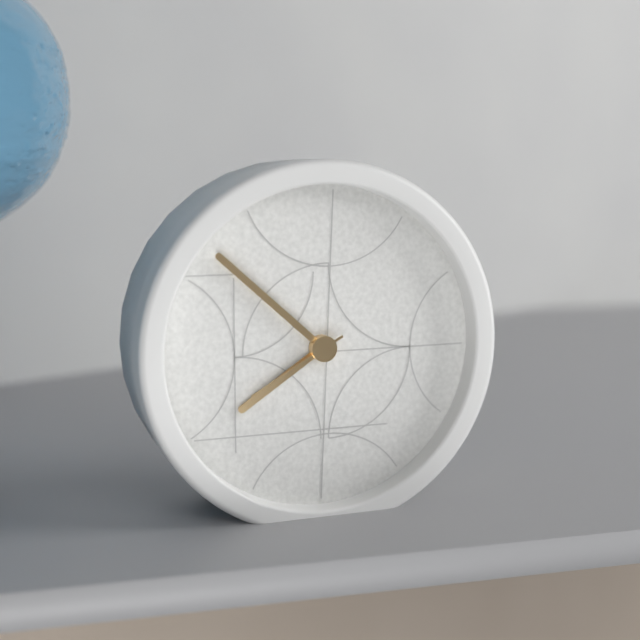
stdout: 7 h 52 min 40 s
